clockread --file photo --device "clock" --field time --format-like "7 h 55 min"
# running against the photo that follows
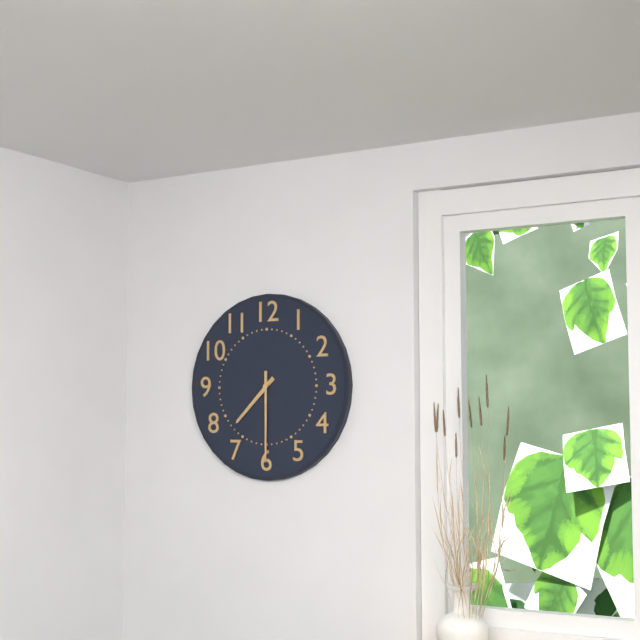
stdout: 7 h 30 min
